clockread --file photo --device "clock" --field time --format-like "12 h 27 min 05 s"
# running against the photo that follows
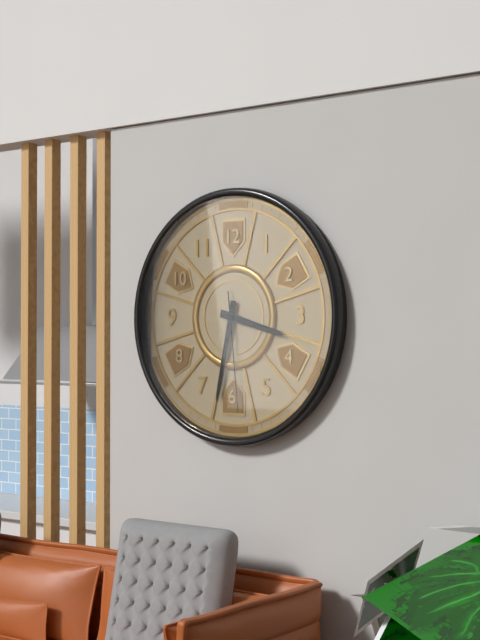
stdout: 3 h 32 min 29 s
